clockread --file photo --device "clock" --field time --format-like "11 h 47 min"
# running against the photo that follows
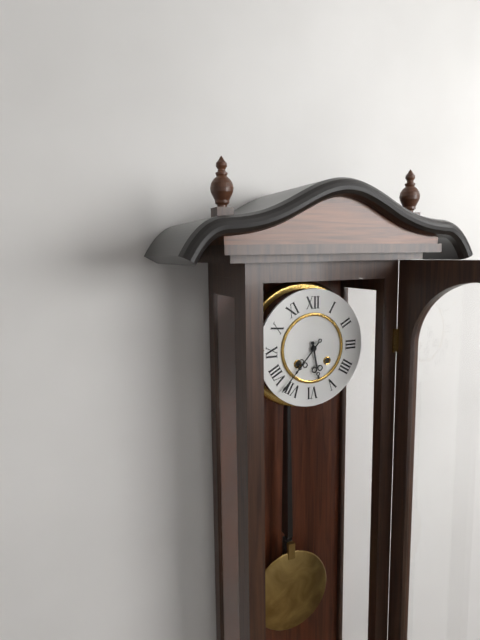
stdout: 5 h 37 min
